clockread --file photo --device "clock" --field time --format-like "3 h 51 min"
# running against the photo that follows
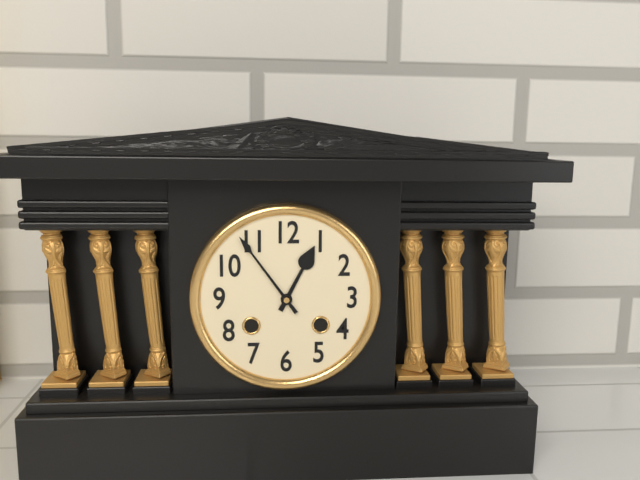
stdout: 12 h 54 min
